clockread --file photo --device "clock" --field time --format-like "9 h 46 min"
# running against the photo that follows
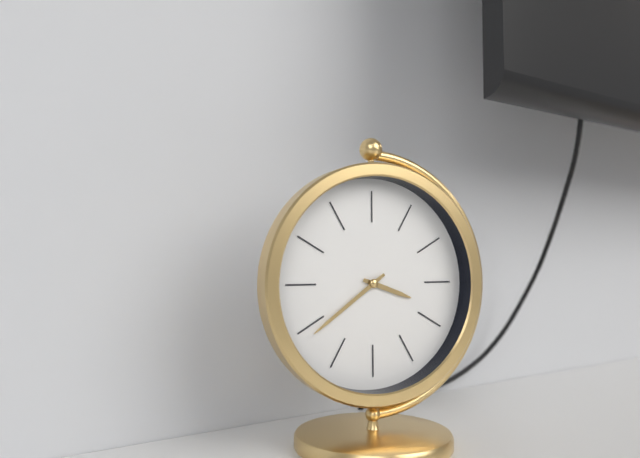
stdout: 3 h 39 min
